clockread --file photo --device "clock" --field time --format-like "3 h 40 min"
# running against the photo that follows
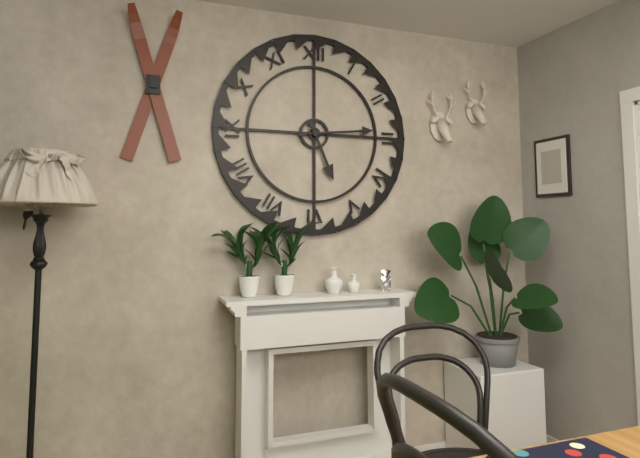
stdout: 5 h 14 min
